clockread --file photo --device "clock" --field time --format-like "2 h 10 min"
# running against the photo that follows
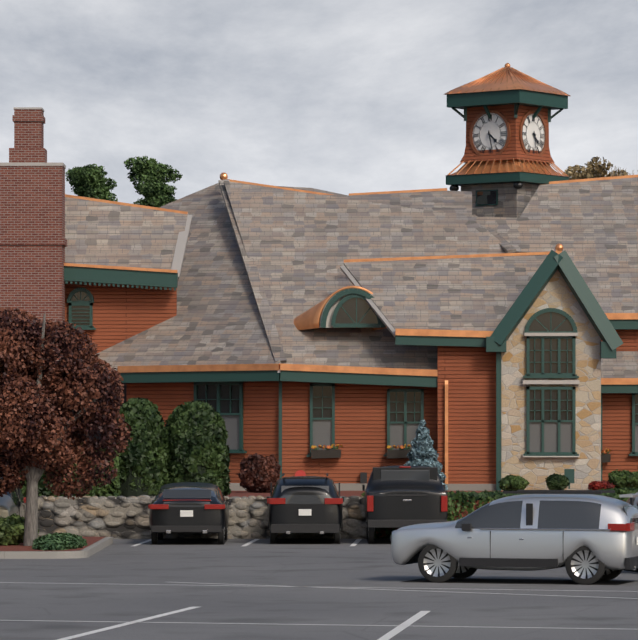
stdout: 4 h 28 min
